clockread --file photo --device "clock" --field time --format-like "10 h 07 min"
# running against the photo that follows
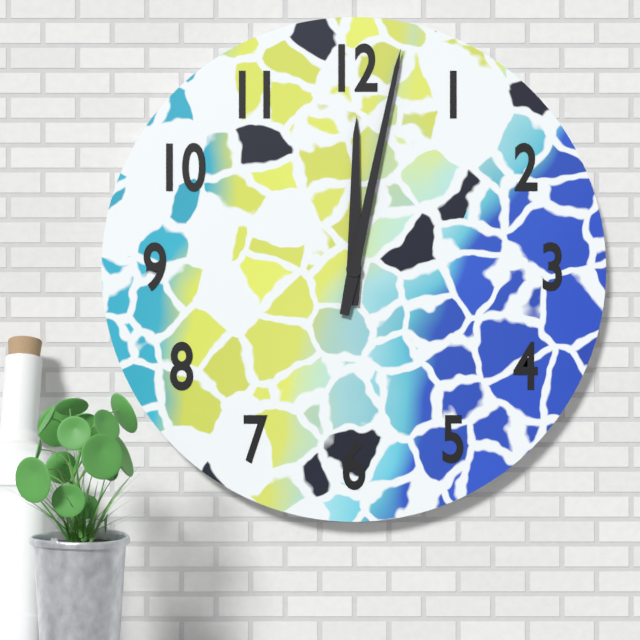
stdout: 12 h 02 min
